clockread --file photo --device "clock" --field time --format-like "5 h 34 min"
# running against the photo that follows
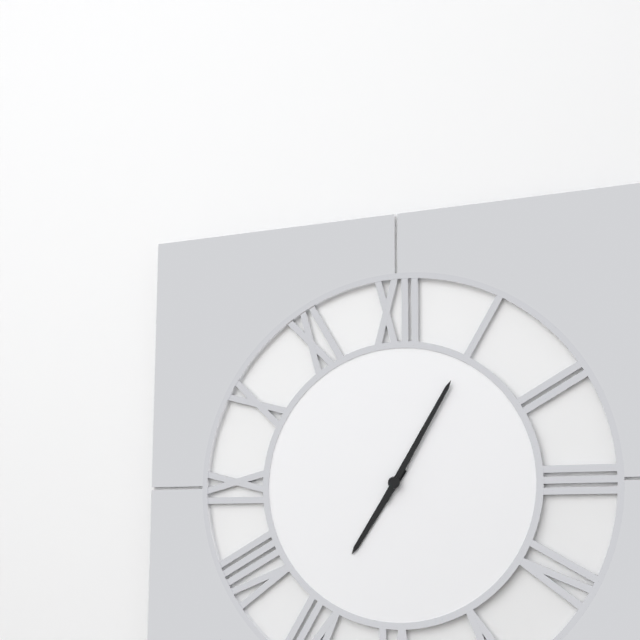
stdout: 7 h 05 min
